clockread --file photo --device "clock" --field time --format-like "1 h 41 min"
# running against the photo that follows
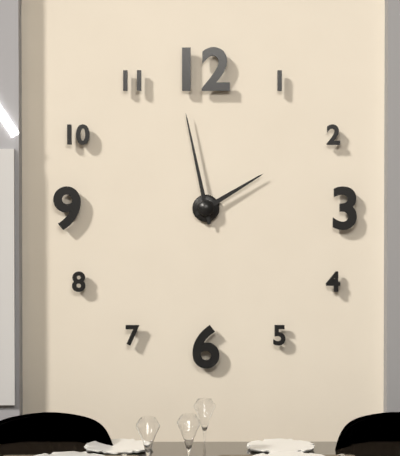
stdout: 1 h 58 min
